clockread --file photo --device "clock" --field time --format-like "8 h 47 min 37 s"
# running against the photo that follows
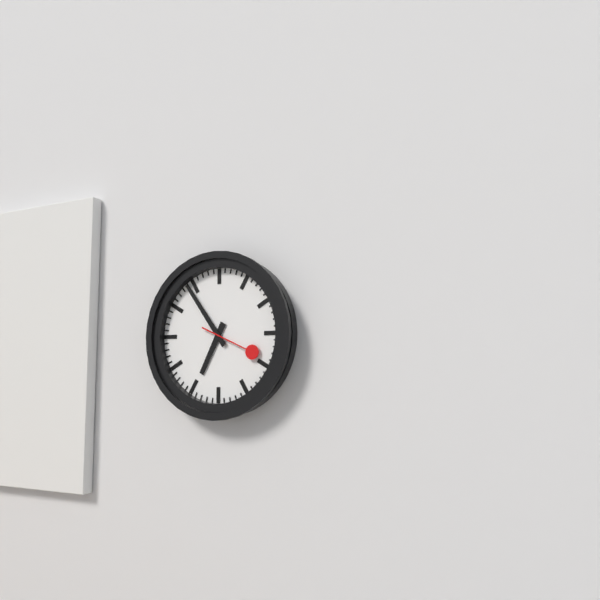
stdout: 6 h 54 min 19 s
